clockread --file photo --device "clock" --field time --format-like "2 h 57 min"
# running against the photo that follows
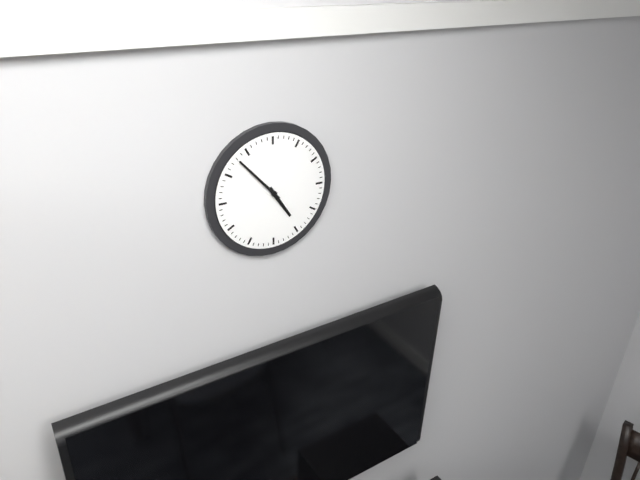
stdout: 4 h 53 min
